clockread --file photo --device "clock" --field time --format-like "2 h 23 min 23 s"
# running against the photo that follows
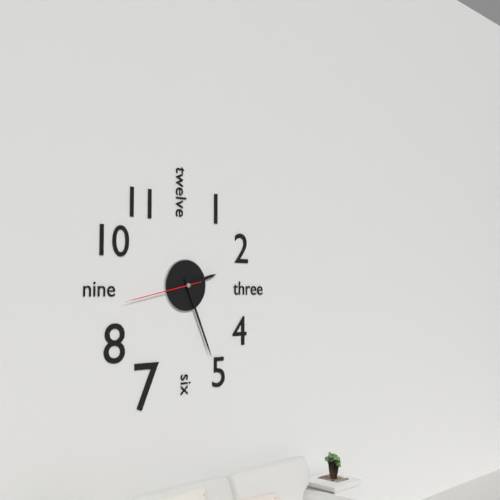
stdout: 2 h 26 min 43 s
